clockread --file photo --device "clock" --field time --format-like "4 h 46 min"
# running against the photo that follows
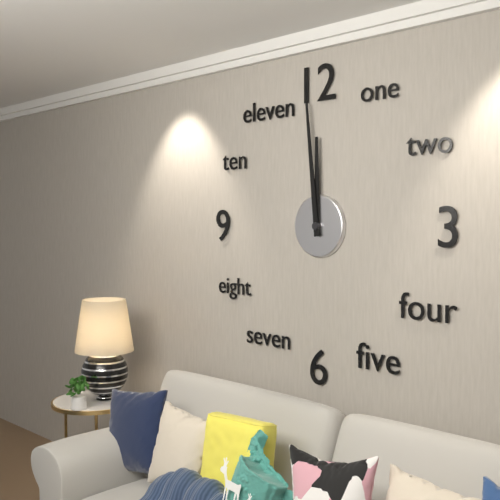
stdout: 11 h 59 min
